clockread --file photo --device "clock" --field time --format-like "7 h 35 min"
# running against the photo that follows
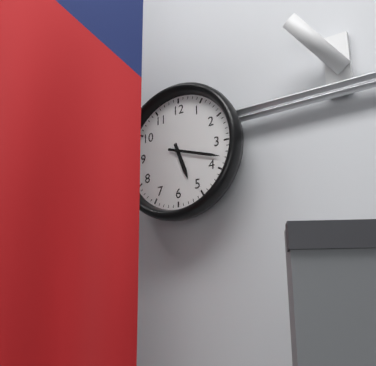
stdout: 5 h 18 min
